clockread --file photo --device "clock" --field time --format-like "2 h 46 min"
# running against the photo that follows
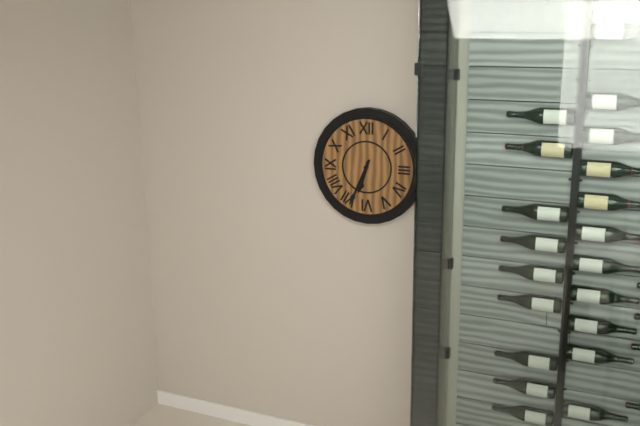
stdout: 6 h 34 min
